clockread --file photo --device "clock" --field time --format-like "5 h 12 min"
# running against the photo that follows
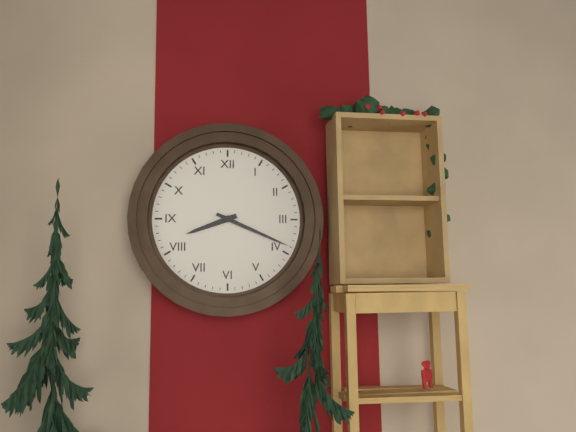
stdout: 8 h 19 min
